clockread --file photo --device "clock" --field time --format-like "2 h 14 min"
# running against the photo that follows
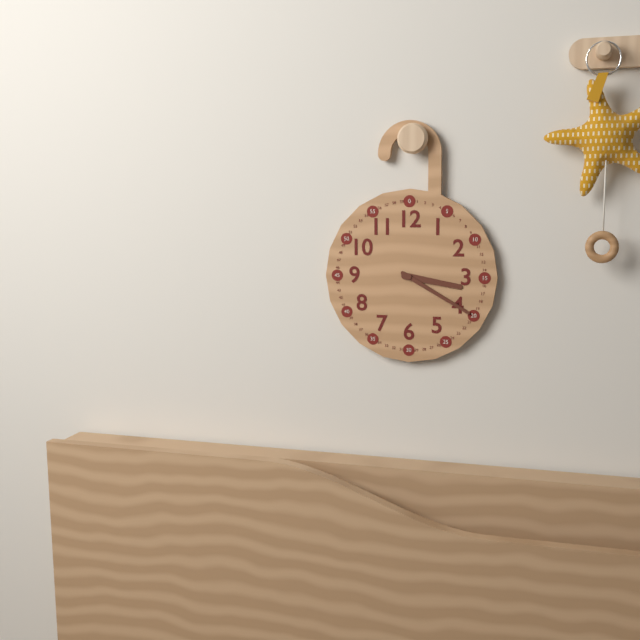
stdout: 3 h 20 min
